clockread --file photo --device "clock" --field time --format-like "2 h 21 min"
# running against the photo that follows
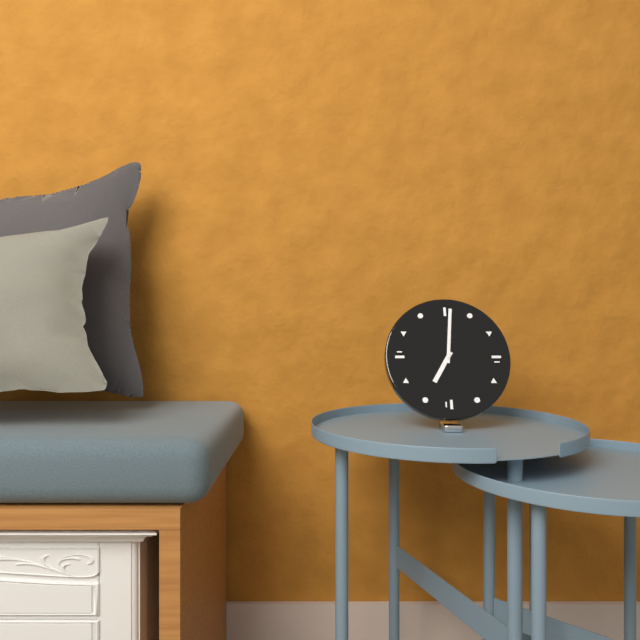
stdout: 7 h 01 min
